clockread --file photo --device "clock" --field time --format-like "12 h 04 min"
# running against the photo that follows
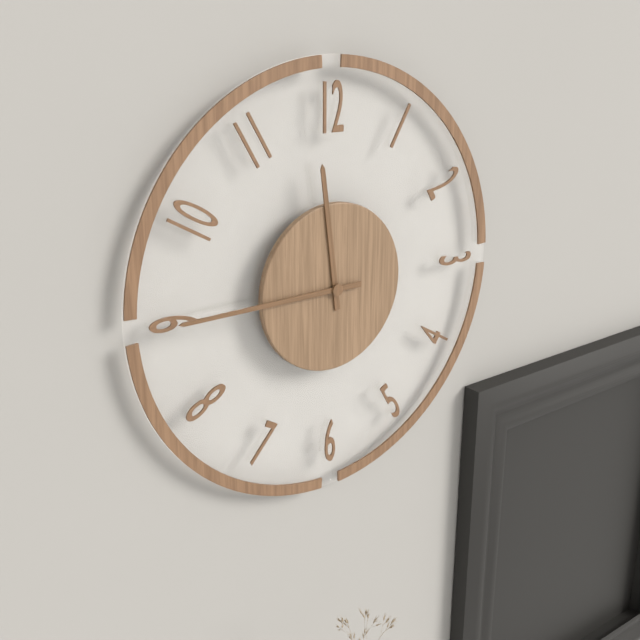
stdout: 11 h 45 min
